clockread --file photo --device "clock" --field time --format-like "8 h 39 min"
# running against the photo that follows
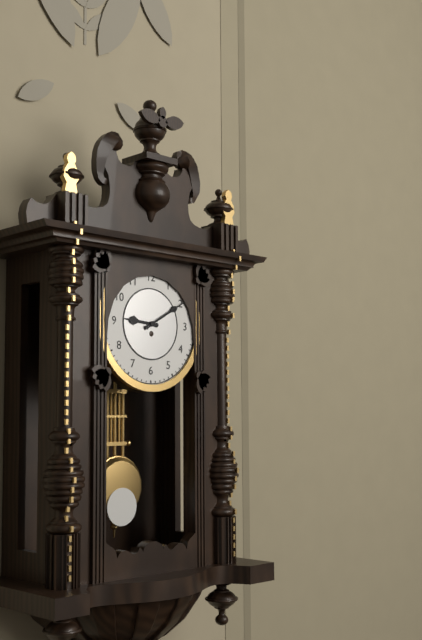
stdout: 9 h 10 min
